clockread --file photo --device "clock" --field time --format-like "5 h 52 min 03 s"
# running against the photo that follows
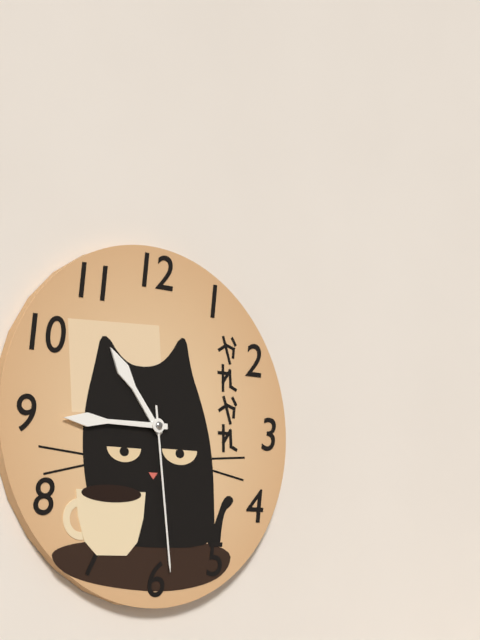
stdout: 10 h 45 min 29 s
